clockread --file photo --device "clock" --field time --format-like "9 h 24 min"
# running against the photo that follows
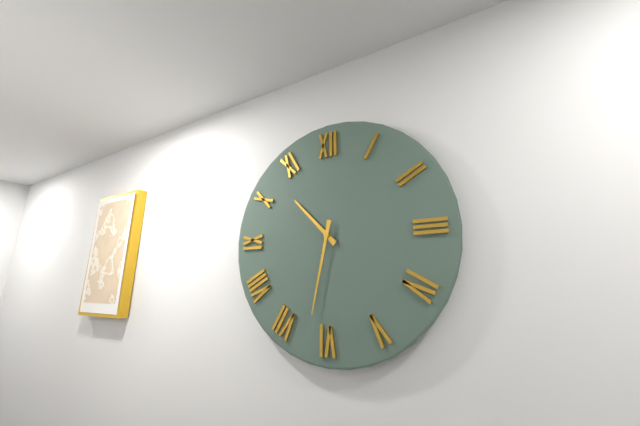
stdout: 10 h 32 min
